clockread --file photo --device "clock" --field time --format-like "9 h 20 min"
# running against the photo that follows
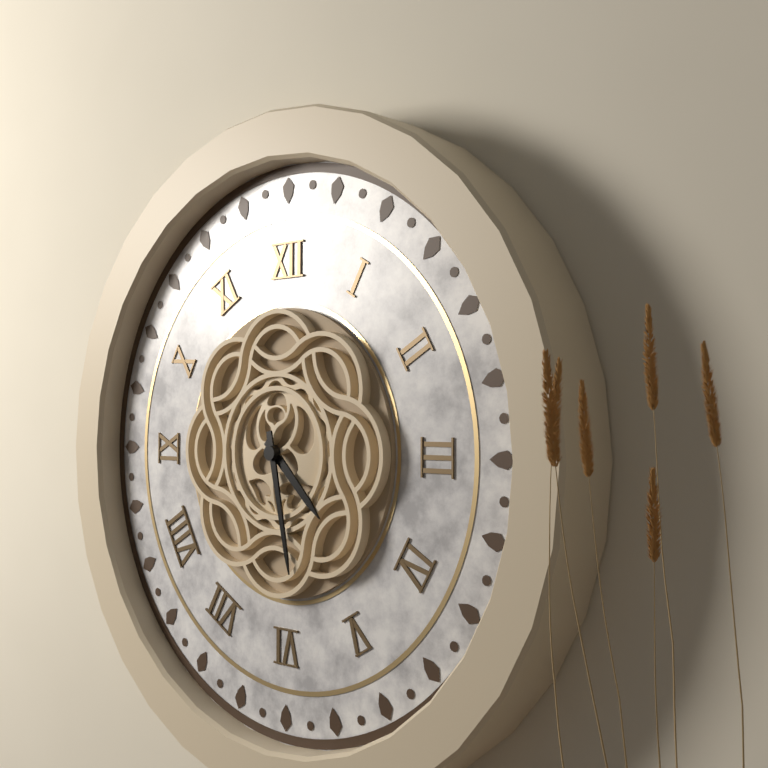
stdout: 4 h 28 min
